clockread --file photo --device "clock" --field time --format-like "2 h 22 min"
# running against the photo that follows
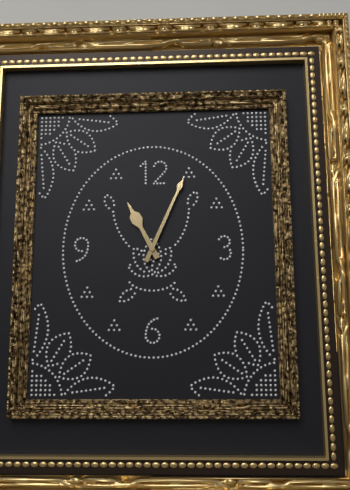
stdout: 11 h 04 min
